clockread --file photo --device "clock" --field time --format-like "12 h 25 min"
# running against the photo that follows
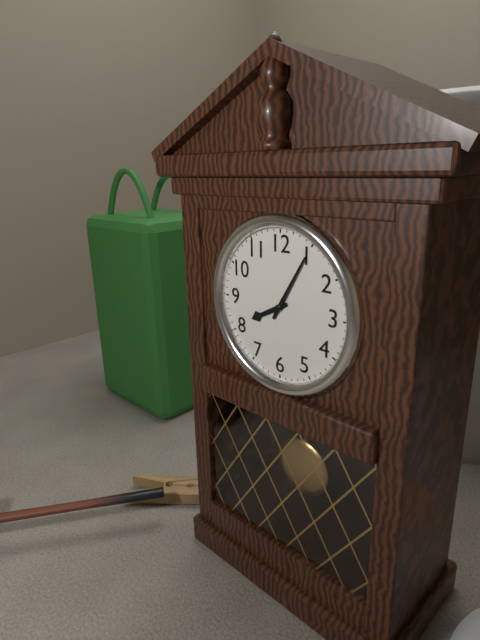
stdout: 8 h 05 min
